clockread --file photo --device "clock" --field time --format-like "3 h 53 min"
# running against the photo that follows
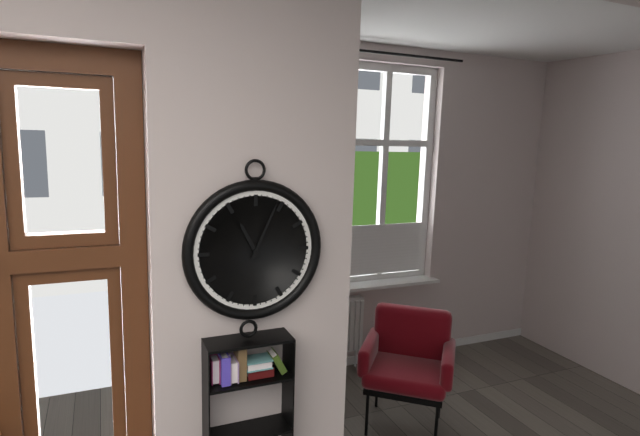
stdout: 11 h 04 min
